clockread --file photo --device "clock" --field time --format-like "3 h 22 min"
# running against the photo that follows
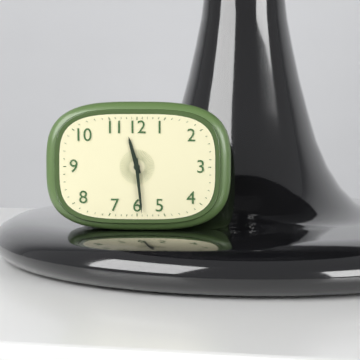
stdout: 11 h 29 min
